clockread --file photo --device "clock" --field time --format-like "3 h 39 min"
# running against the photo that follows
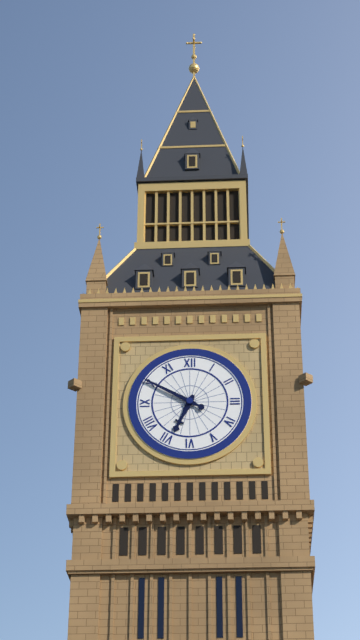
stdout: 6 h 50 min
